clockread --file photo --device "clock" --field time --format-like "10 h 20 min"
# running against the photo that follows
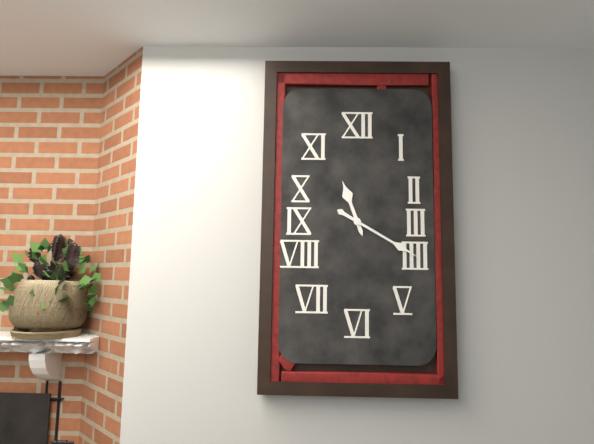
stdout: 11 h 20 min
